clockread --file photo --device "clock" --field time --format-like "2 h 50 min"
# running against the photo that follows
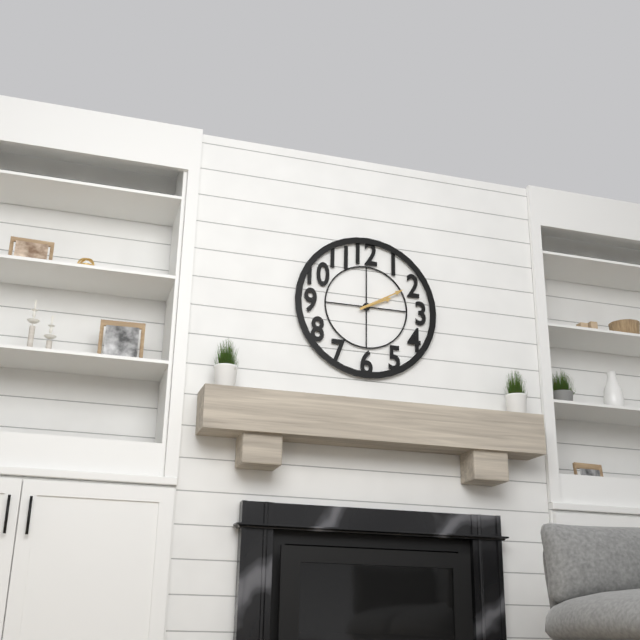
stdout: 2 h 10 min
